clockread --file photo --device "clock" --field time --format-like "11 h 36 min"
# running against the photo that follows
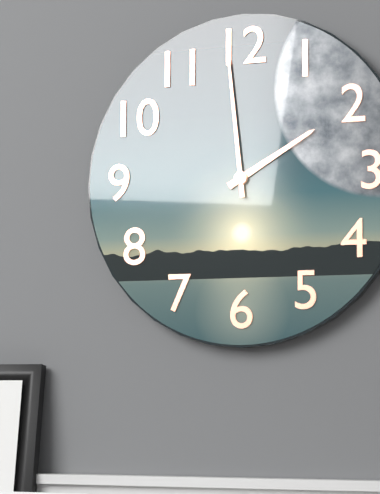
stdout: 1 h 59 min
